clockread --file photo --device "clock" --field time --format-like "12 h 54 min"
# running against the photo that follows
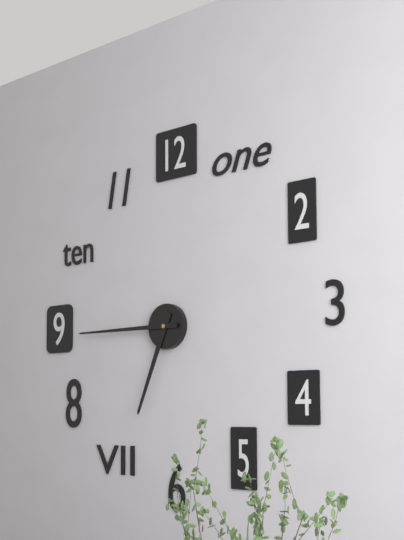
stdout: 6 h 45 min
